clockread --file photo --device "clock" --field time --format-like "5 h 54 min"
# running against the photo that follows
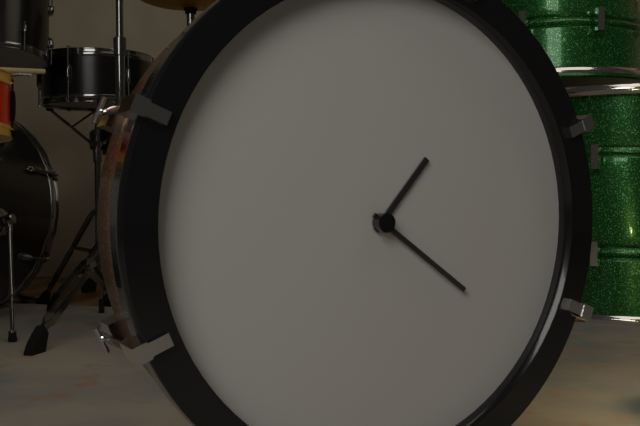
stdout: 1 h 21 min
